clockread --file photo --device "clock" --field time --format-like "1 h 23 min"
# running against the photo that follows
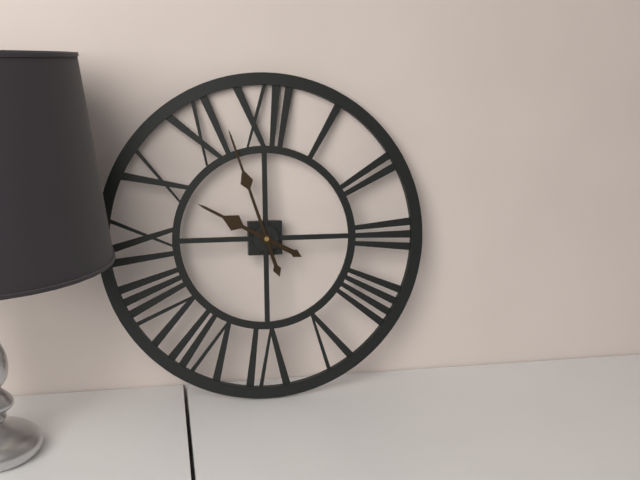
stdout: 9 h 57 min
